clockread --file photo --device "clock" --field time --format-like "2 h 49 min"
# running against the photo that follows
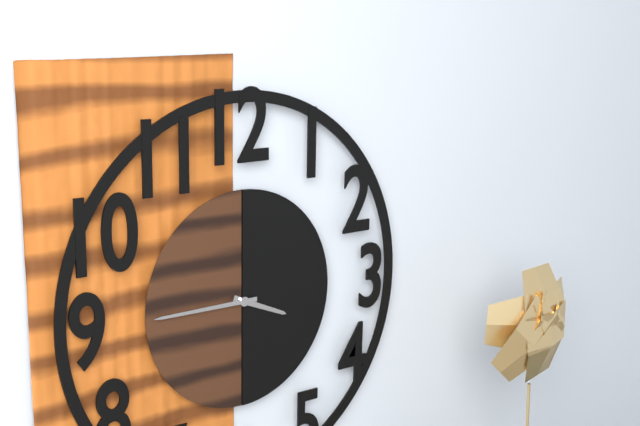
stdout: 3 h 45 min
